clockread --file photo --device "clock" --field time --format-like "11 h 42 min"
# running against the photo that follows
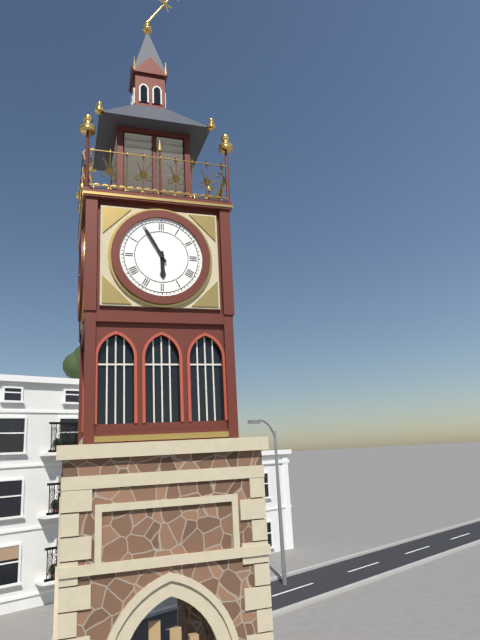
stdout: 5 h 55 min
